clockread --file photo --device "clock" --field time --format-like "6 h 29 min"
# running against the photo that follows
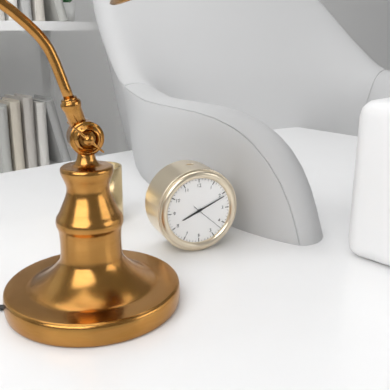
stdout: 8 h 11 min
